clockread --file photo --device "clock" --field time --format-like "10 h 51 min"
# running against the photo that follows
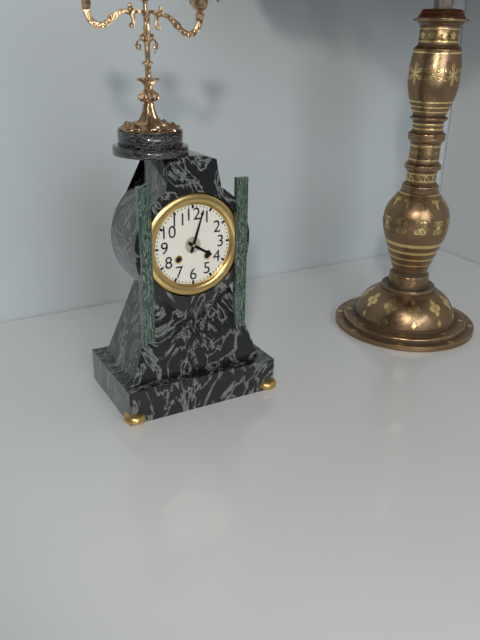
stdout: 4 h 03 min
